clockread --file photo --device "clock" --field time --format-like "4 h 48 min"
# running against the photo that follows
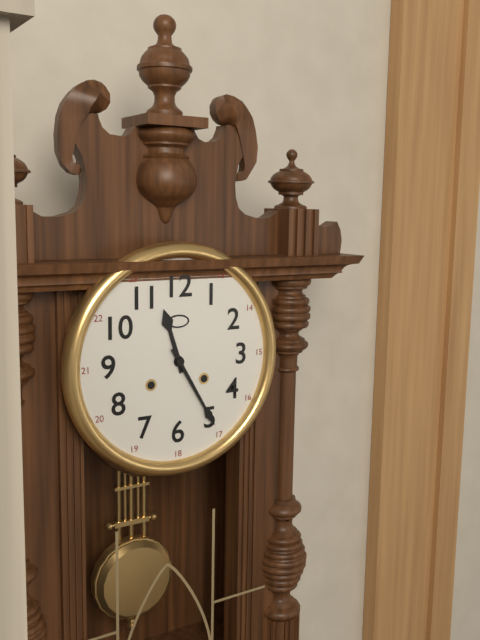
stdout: 11 h 25 min
